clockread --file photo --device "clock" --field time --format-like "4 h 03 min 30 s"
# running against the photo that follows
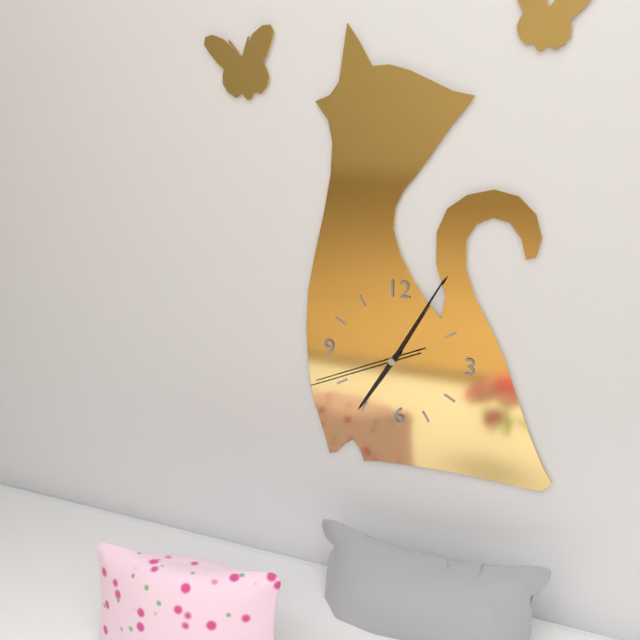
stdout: 7 h 05 min 41 s
